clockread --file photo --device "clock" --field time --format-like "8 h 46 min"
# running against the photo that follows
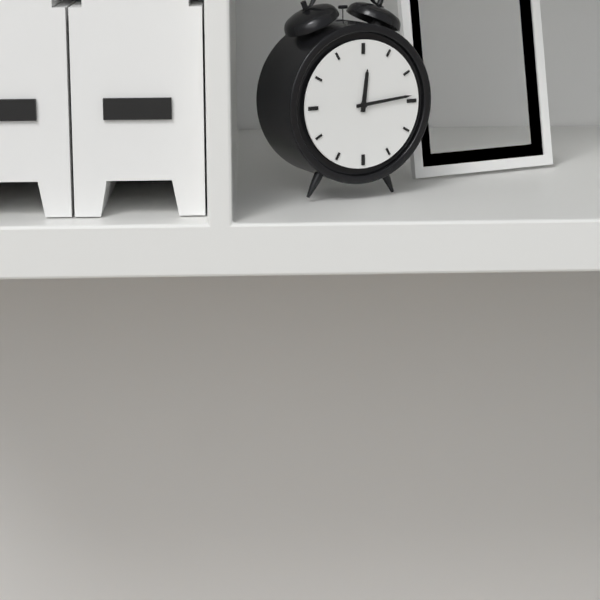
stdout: 12 h 14 min
